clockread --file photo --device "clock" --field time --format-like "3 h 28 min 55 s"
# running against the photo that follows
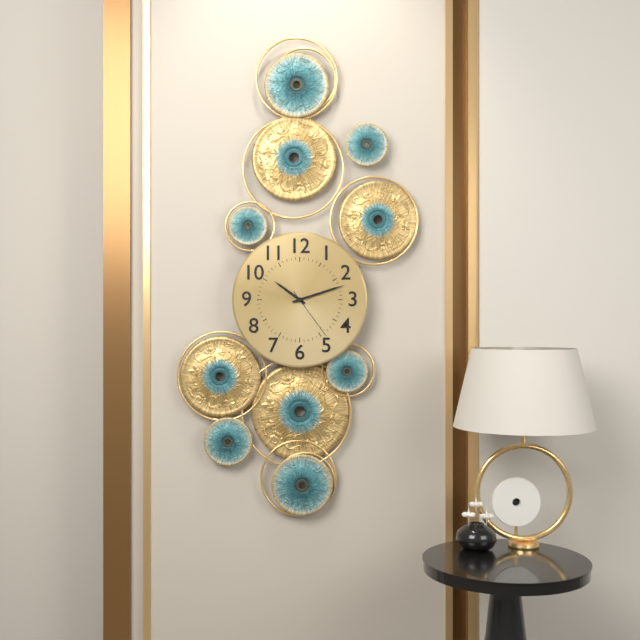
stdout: 10 h 12 min 24 s
